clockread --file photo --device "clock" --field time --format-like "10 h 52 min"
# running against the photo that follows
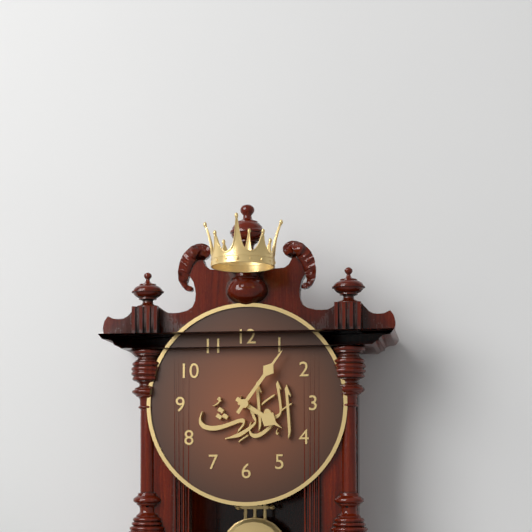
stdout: 4 h 06 min
